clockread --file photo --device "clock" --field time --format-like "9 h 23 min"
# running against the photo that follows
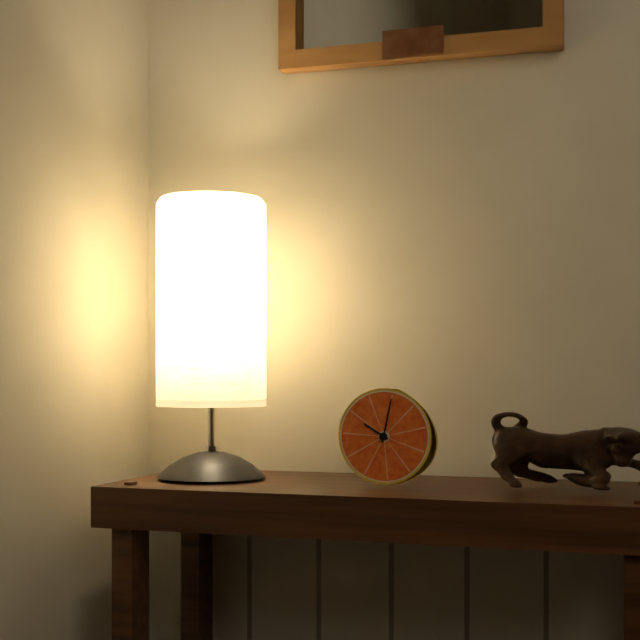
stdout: 10 h 02 min
